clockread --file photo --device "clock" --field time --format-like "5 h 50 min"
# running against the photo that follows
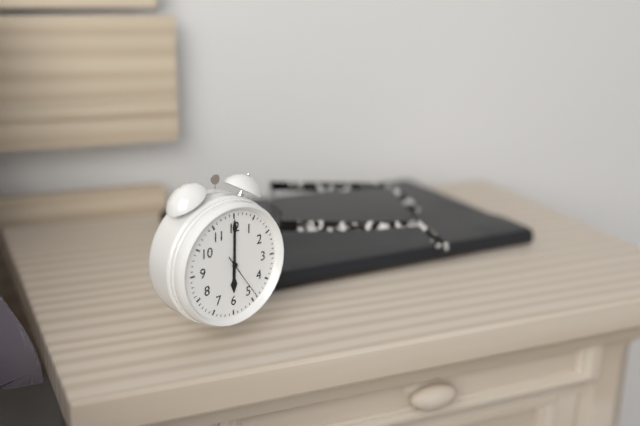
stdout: 6 h 00 min
